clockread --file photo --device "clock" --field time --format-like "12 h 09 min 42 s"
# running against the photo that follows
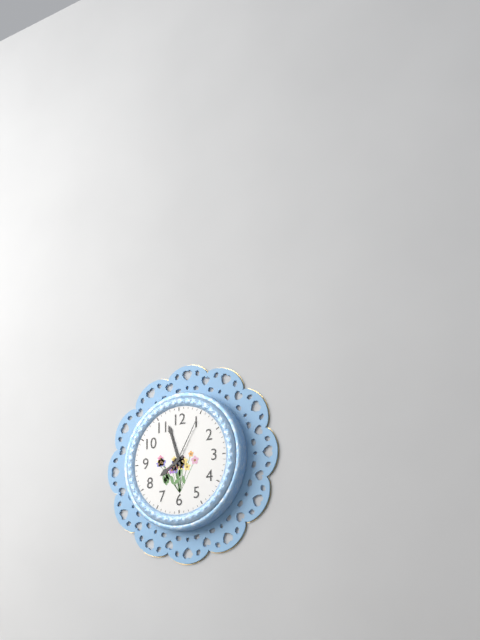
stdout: 7 h 57 min 05 s
